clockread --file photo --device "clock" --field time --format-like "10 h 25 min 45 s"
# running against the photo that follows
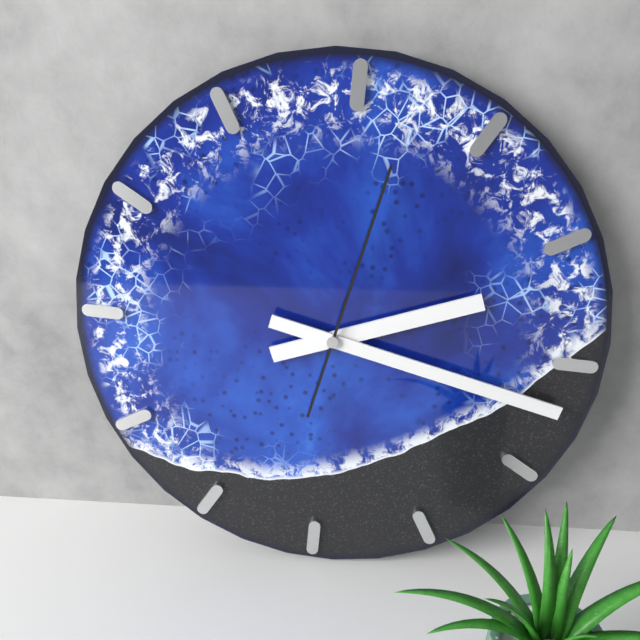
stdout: 2 h 17 min 02 s
